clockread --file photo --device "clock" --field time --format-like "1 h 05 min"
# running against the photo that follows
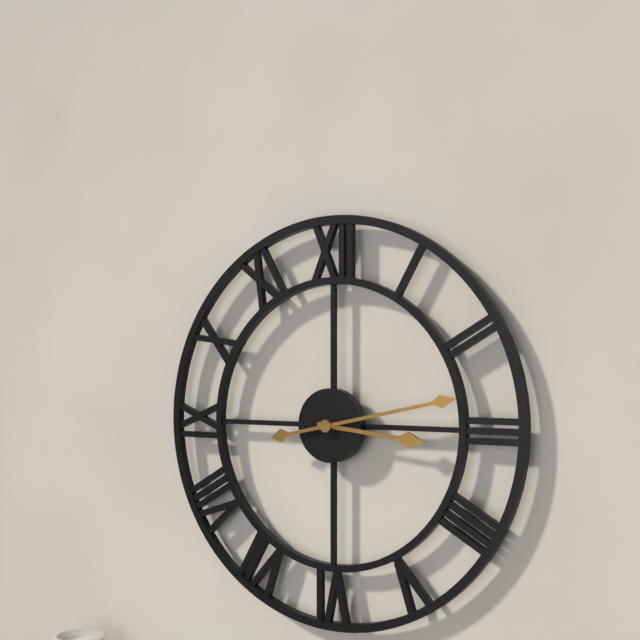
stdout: 3 h 13 min
